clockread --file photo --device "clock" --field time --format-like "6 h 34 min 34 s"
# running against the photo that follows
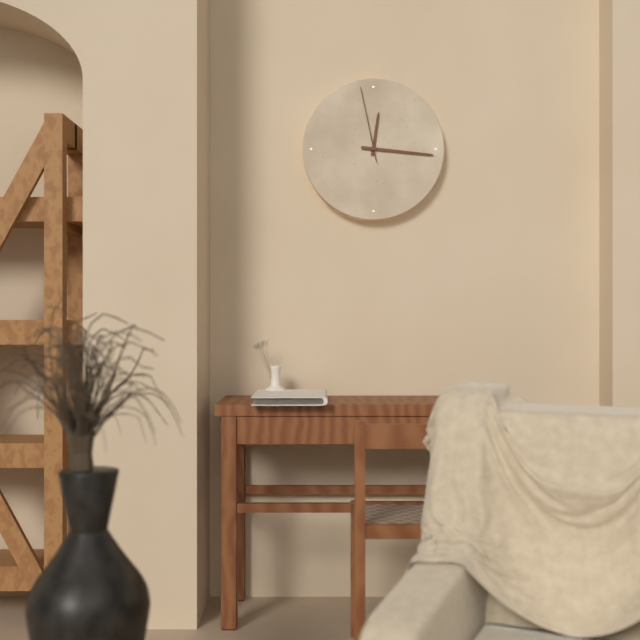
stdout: 12 h 16 min 58 s
